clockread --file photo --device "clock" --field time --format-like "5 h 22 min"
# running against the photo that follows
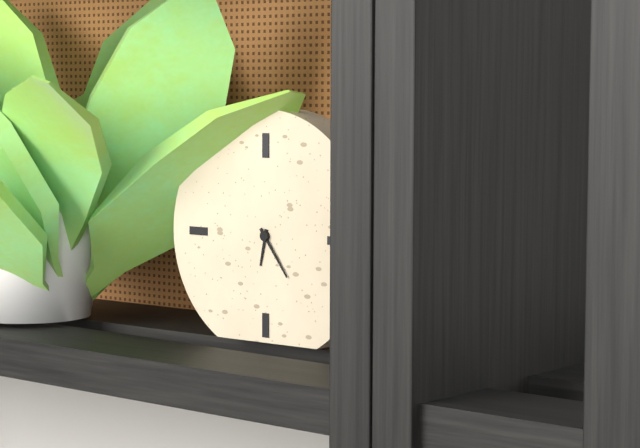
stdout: 6 h 24 min
